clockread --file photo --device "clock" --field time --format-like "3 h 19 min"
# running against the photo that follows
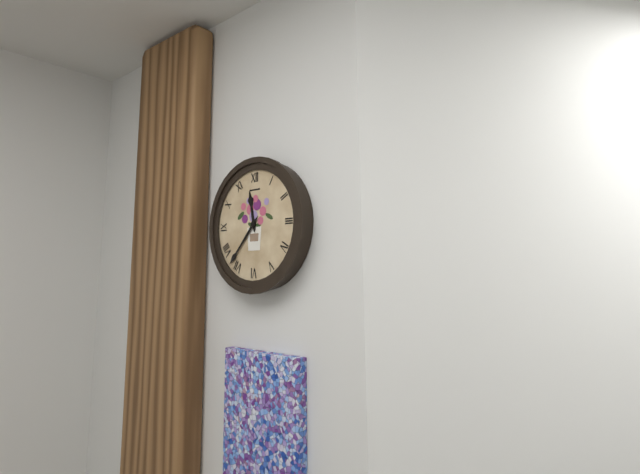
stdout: 11 h 37 min
